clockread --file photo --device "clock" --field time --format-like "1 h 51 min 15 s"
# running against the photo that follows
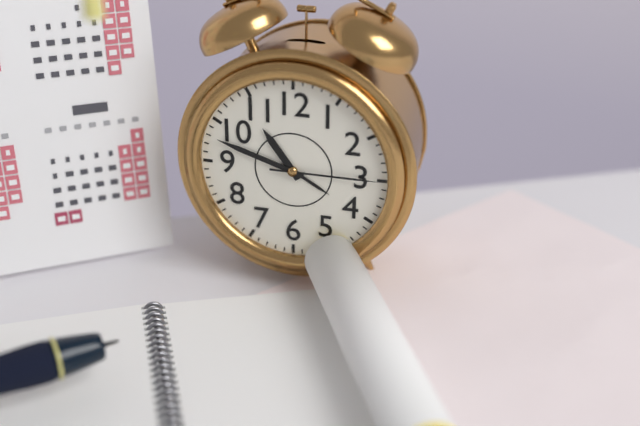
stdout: 10 h 48 min 15 s
